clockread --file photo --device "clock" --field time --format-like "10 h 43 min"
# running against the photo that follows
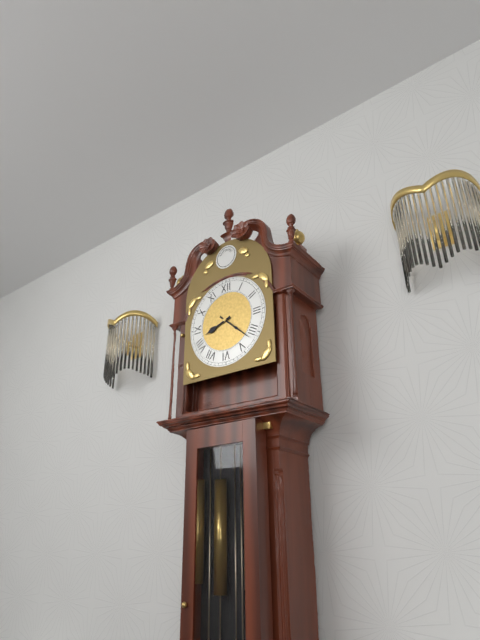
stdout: 8 h 22 min
